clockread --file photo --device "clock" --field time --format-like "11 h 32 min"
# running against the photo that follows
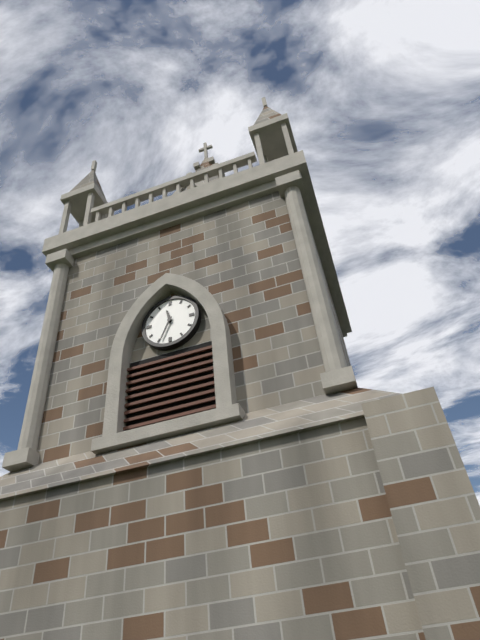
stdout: 11 h 34 min
